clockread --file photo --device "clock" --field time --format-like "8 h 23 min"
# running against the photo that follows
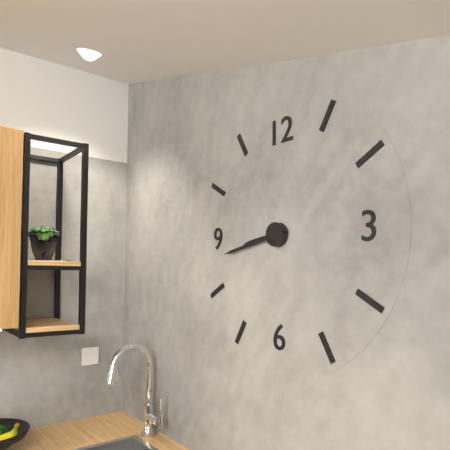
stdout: 8 h 43 min
